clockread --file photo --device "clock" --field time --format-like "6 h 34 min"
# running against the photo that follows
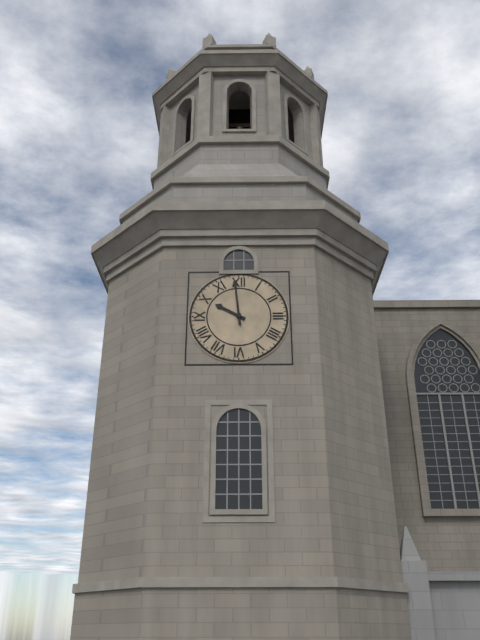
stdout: 9 h 59 min
